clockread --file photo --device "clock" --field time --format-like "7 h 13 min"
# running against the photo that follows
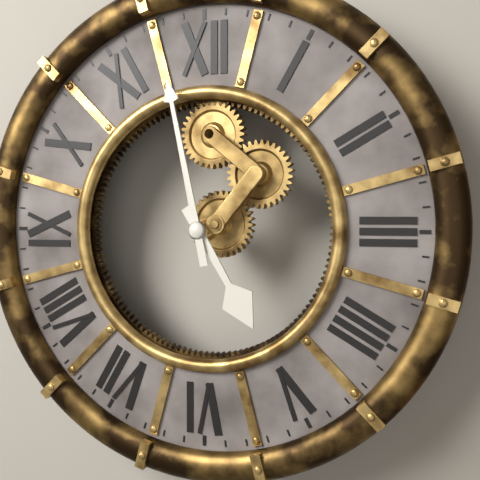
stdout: 4 h 58 min
